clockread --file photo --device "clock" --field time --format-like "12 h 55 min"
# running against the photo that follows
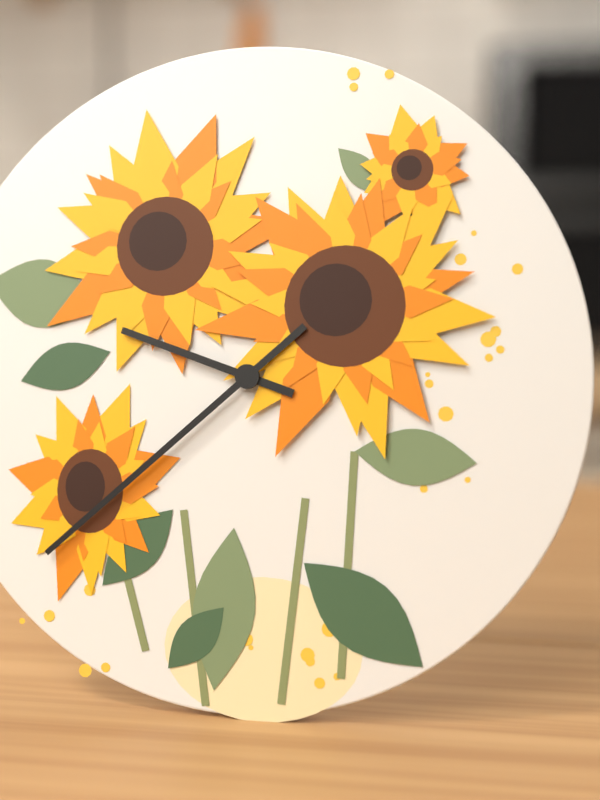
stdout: 9 h 38 min
